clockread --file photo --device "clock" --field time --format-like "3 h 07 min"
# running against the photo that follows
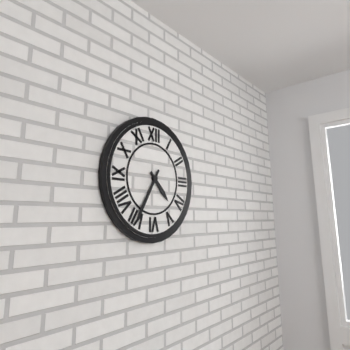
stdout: 4 h 35 min
